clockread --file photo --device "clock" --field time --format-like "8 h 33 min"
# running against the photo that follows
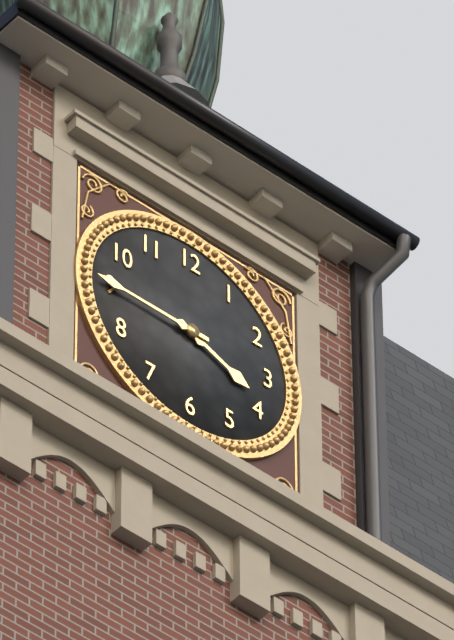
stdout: 3 h 45 min
